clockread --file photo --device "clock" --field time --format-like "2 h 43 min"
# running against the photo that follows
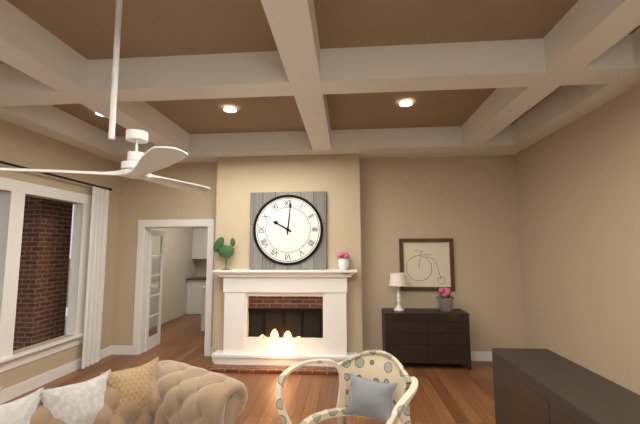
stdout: 10 h 01 min
